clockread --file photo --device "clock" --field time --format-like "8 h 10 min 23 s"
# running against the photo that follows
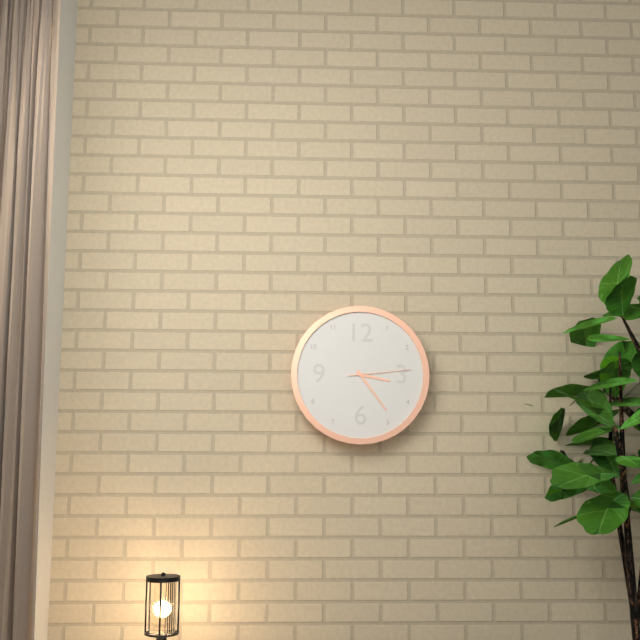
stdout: 3 h 24 min 14 s
